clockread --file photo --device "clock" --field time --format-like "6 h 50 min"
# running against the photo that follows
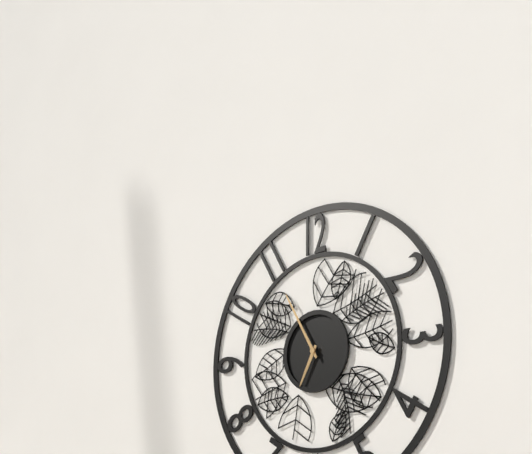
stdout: 6 h 55 min
